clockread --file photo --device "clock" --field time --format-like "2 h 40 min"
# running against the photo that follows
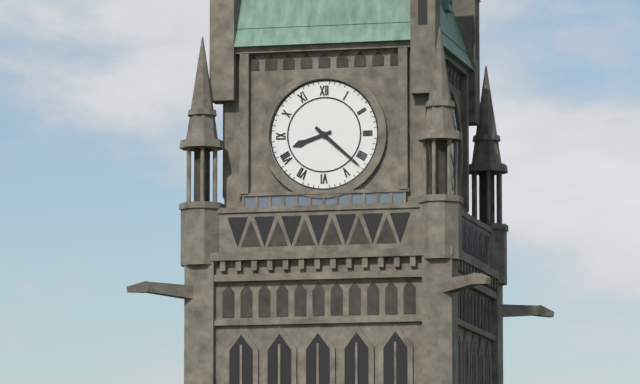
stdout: 8 h 22 min
